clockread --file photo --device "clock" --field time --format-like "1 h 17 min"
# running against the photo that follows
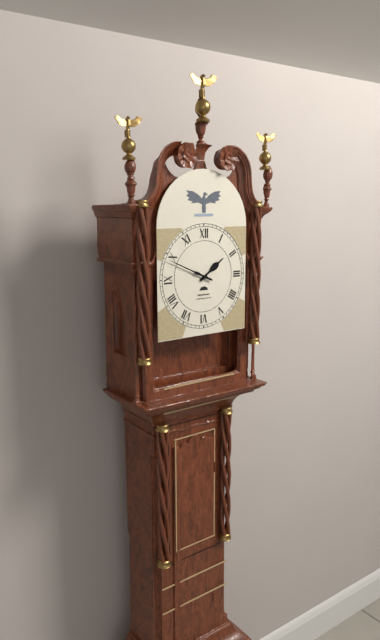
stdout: 1 h 49 min
